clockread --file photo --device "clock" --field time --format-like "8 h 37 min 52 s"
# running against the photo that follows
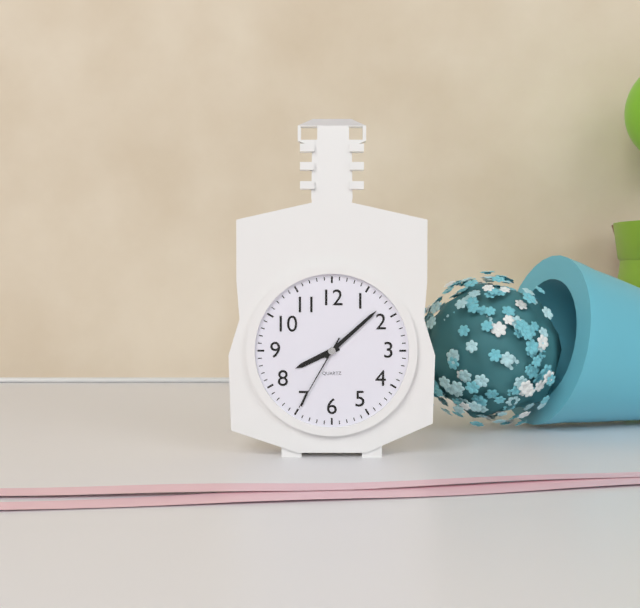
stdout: 8 h 08 min 35 s
